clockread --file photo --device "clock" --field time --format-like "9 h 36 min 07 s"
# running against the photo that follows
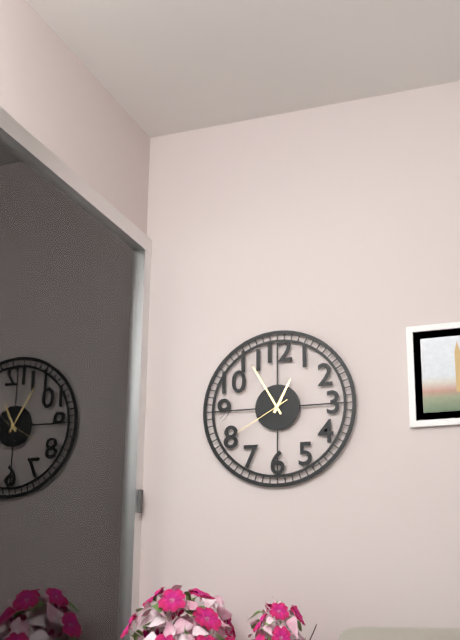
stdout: 12 h 55 min 40 s
